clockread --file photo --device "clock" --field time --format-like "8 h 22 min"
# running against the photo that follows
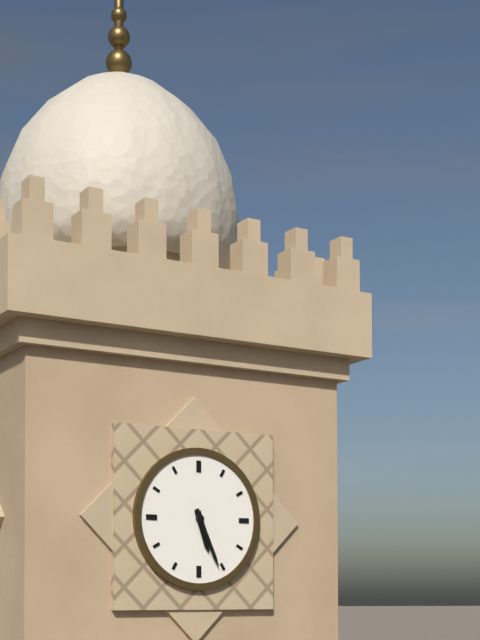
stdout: 5 h 26 min
